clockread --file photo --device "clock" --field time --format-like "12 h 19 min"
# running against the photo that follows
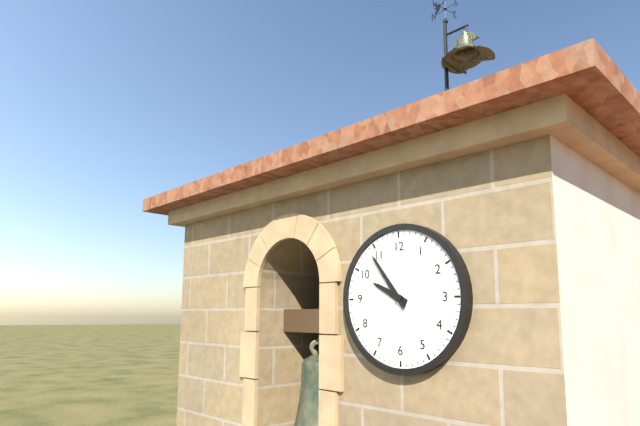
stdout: 9 h 54 min
